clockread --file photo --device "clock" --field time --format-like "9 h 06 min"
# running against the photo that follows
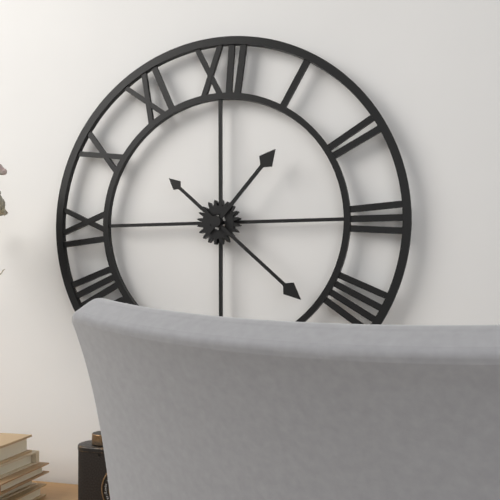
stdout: 1 h 22 min
